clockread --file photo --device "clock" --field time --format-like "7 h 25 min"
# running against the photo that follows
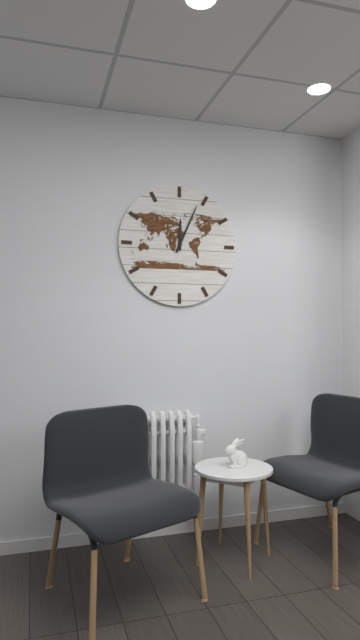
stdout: 12 h 04 min
